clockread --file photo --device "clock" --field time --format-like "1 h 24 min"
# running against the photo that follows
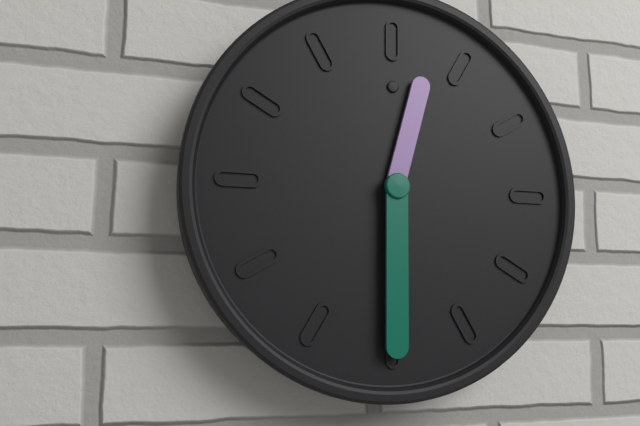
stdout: 12 h 30 min
